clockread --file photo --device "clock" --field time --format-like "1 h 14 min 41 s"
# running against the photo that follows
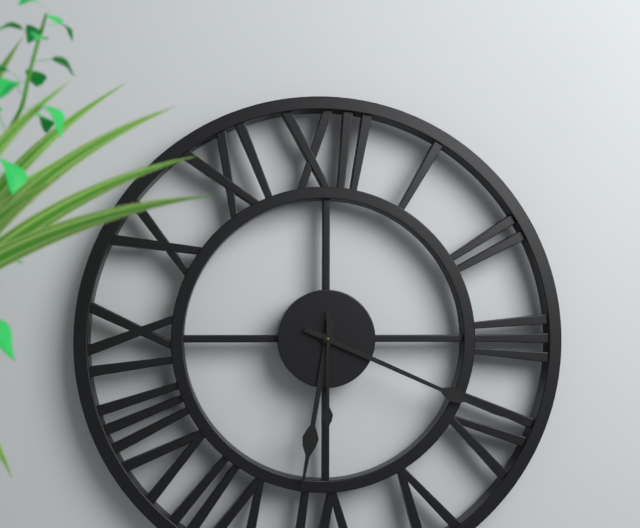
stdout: 6 h 19 min 30 s
